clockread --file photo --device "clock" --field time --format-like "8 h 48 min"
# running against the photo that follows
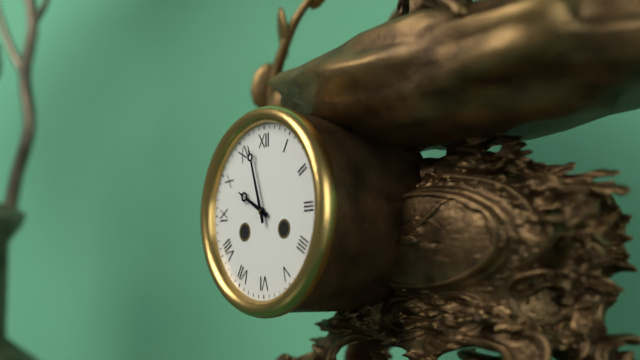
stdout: 9 h 57 min
